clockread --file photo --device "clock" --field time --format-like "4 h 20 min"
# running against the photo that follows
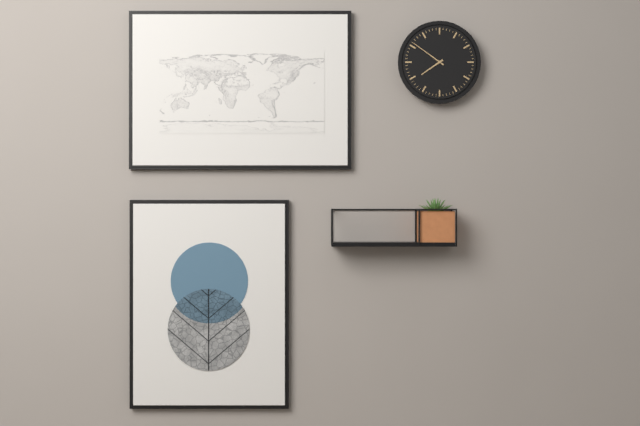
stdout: 7 h 51 min
